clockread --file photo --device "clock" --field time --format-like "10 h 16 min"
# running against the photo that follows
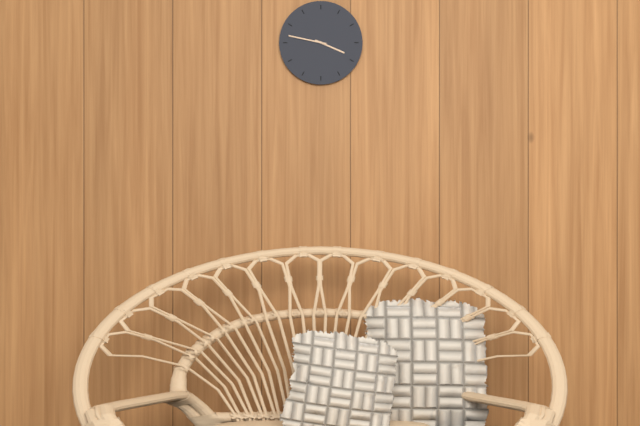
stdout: 3 h 47 min
